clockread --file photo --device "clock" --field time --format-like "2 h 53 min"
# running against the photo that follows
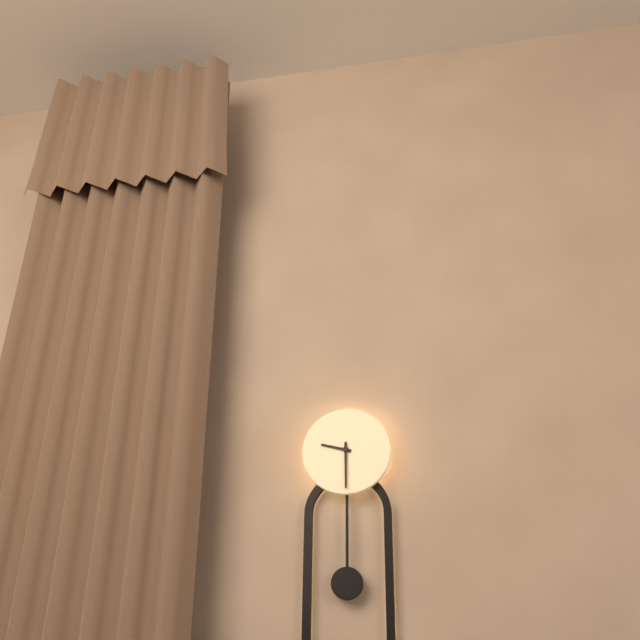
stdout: 9 h 30 min
